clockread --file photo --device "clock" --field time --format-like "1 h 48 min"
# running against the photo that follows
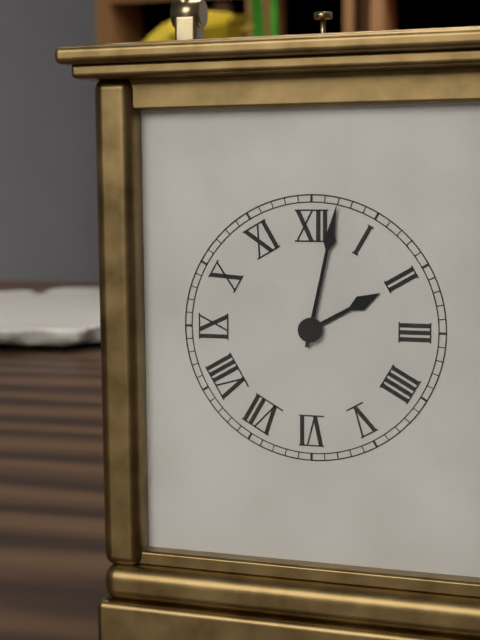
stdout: 2 h 02 min
